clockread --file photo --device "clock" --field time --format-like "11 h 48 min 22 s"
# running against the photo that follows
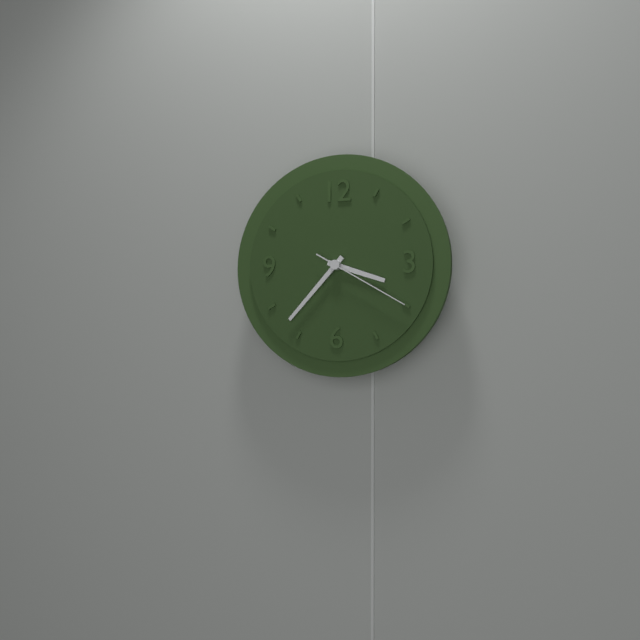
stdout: 3 h 37 min 20 s
